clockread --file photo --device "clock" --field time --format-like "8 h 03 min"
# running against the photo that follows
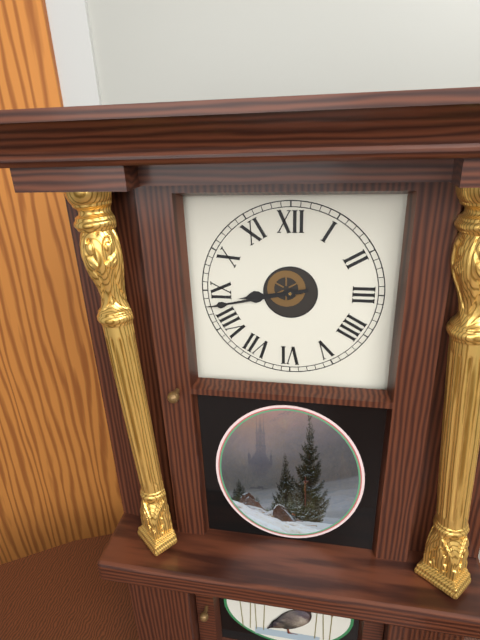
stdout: 8 h 43 min
